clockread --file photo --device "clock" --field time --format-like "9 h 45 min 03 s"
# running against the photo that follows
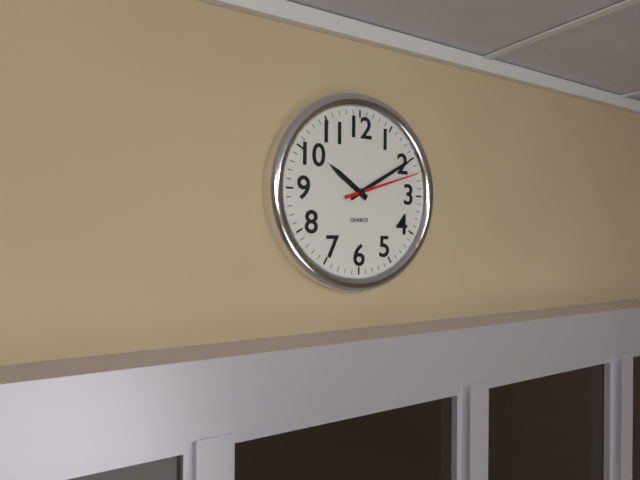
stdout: 10 h 10 min 12 s
